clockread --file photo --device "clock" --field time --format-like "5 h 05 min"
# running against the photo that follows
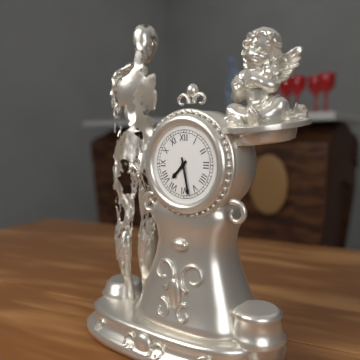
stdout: 7 h 28 min
